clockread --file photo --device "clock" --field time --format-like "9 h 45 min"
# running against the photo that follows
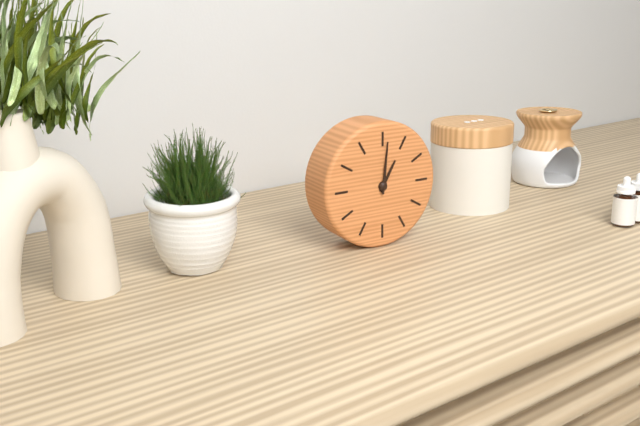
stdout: 1 h 01 min
